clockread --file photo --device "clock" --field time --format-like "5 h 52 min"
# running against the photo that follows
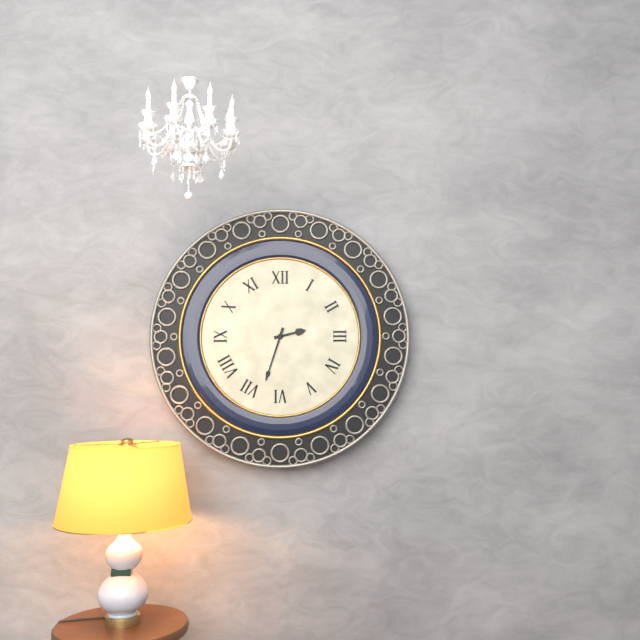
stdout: 2 h 33 min
